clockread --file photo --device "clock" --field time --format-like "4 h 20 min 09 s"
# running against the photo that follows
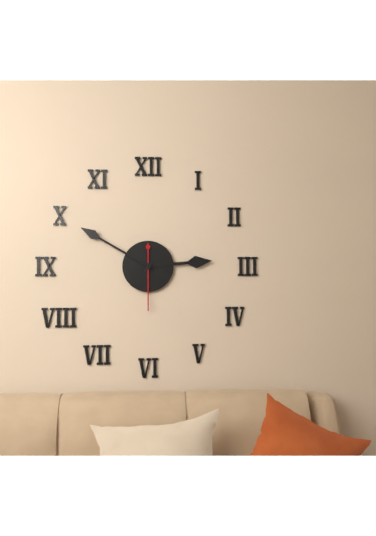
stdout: 2 h 50 min 30 s
